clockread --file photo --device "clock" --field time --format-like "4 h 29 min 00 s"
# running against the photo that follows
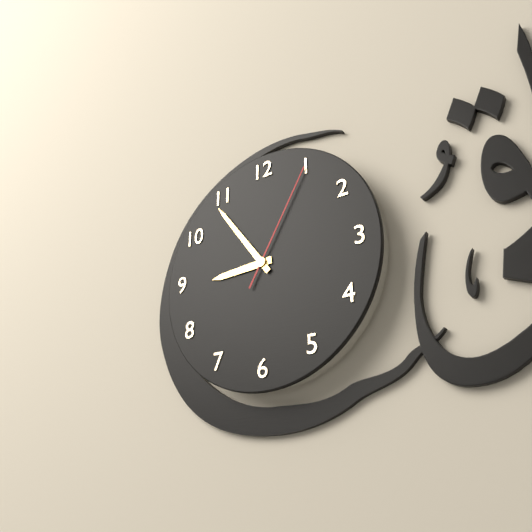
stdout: 8 h 54 min 05 s
